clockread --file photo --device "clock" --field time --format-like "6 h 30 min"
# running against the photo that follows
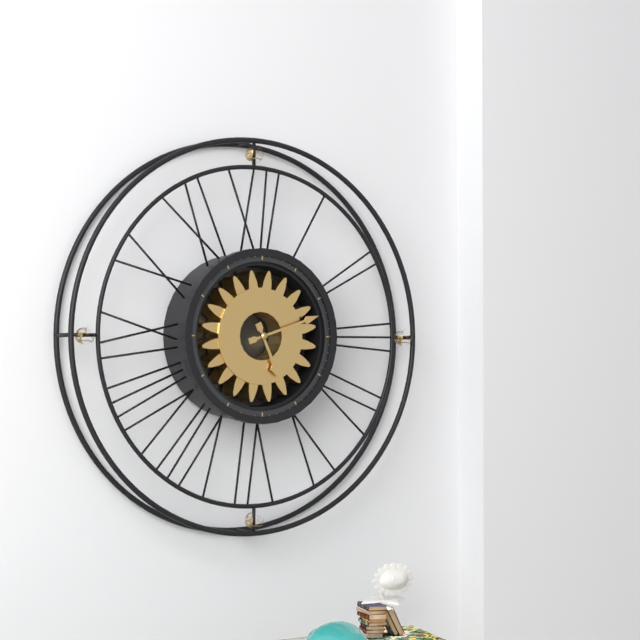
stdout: 5 h 12 min
